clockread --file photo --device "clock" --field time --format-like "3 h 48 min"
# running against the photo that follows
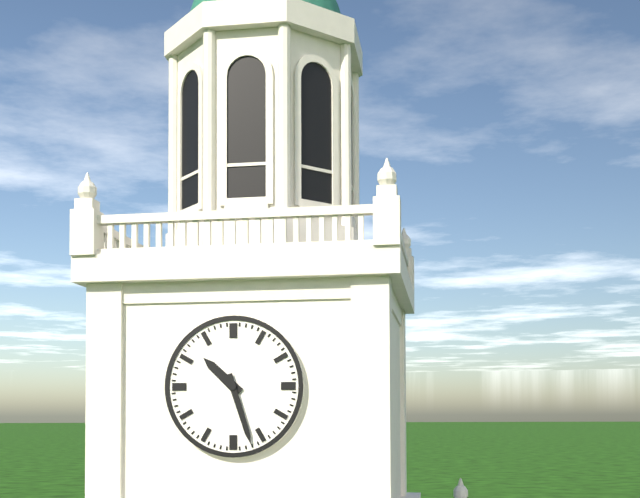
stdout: 10 h 27 min
